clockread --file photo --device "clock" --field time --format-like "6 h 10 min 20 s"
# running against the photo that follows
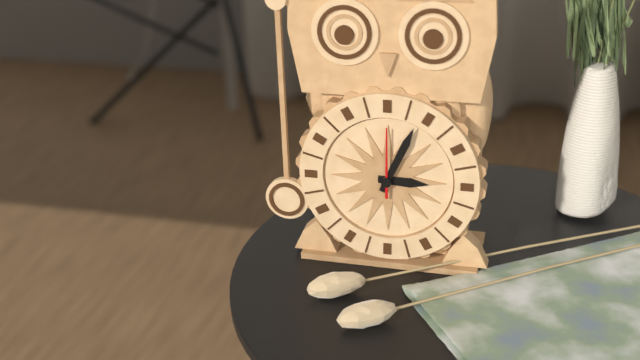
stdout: 3 h 04 min 00 s
